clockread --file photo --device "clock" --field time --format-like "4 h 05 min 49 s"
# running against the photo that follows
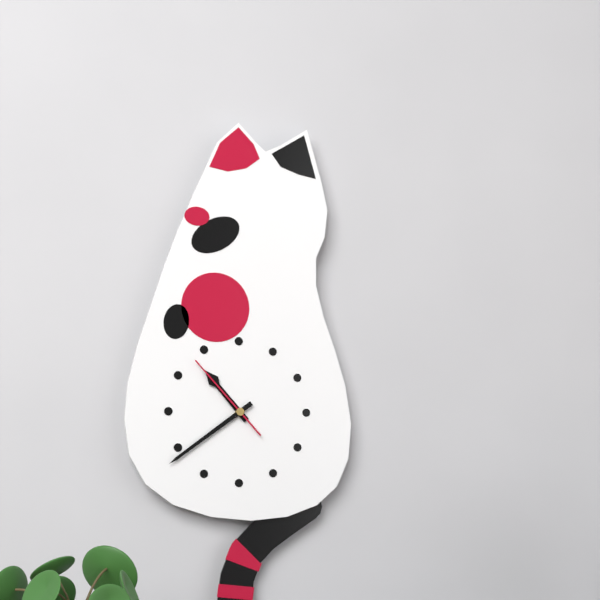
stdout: 10 h 39 min 53 s
